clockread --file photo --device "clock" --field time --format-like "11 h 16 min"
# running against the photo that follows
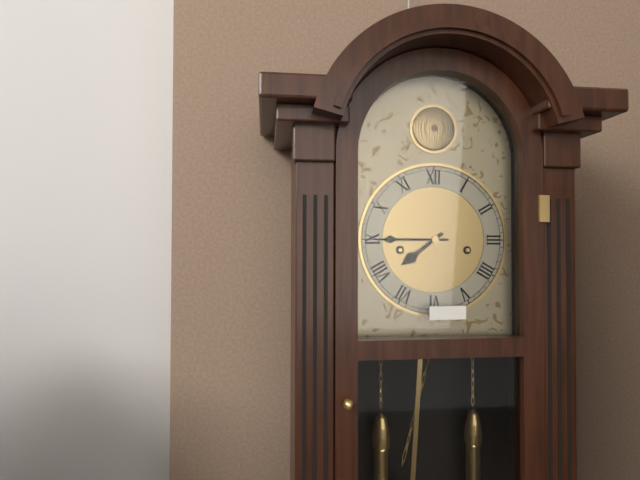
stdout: 7 h 45 min
